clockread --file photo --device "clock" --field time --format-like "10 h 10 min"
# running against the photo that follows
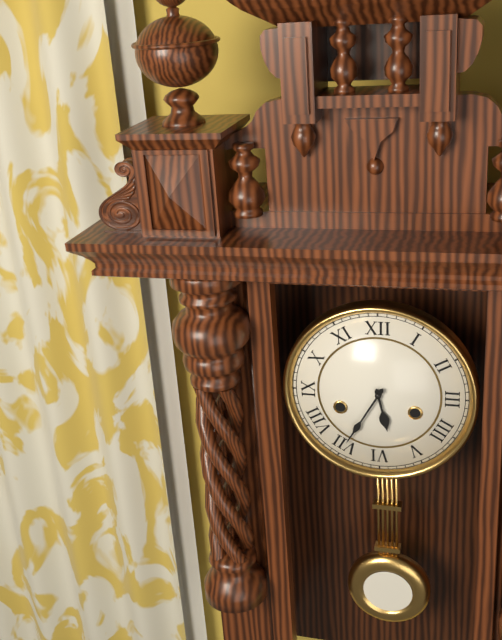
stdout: 5 h 35 min
